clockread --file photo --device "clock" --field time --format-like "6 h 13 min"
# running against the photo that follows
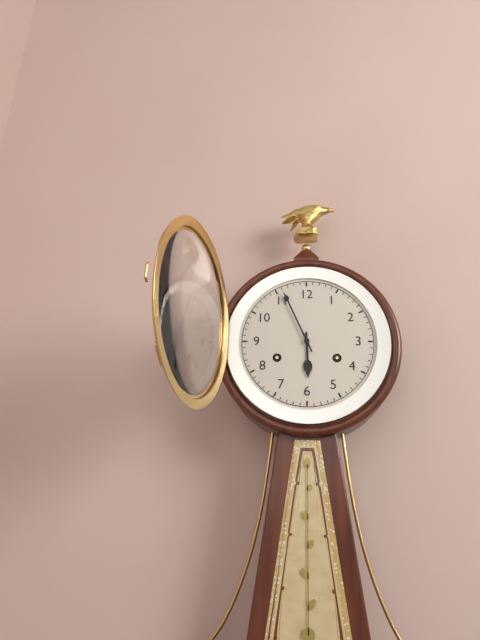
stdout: 5 h 56 min
